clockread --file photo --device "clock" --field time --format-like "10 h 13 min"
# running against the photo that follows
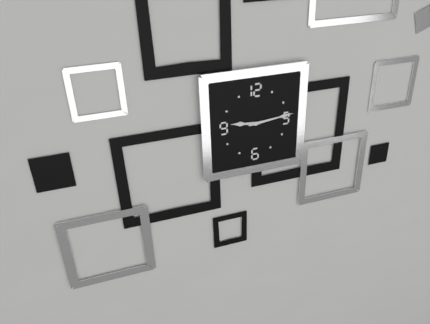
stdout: 9 h 14 min
